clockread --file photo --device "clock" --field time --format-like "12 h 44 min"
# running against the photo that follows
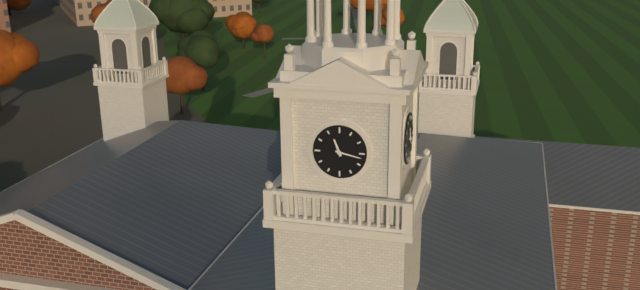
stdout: 11 h 17 min
